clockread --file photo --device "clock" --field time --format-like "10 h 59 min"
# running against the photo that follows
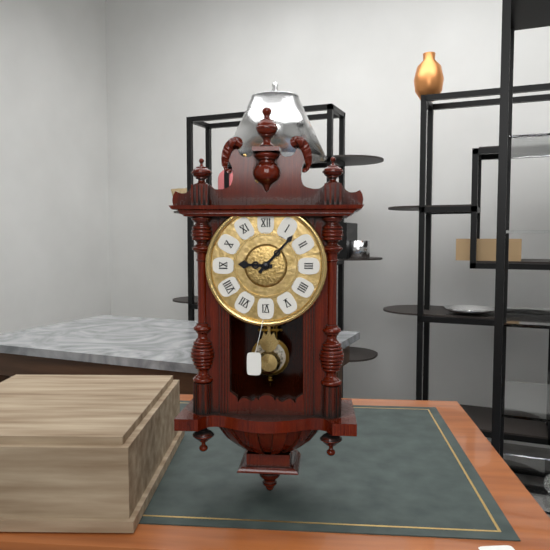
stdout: 9 h 07 min
